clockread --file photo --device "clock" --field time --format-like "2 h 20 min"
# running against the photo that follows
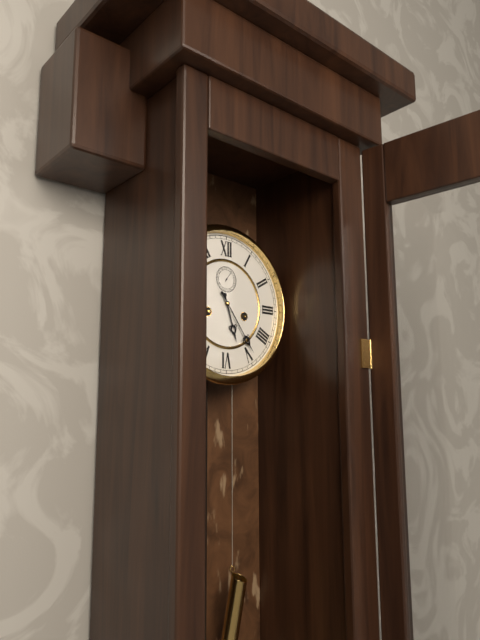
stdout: 5 h 24 min
